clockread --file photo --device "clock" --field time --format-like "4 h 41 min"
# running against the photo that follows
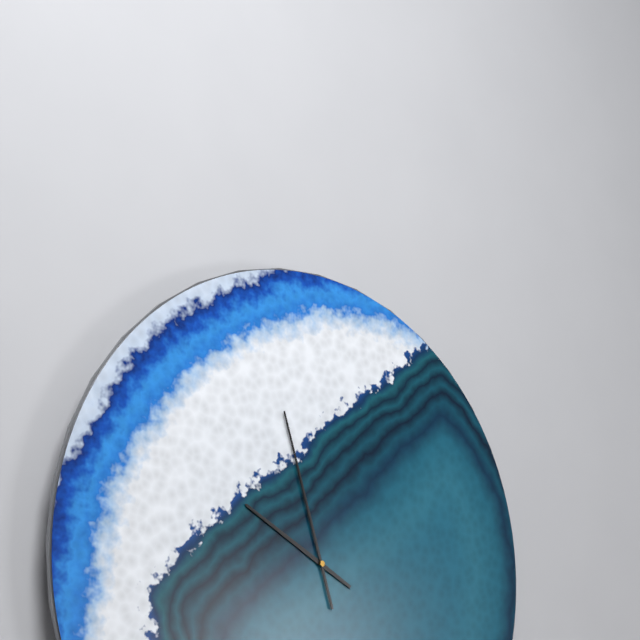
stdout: 9 h 57 min
